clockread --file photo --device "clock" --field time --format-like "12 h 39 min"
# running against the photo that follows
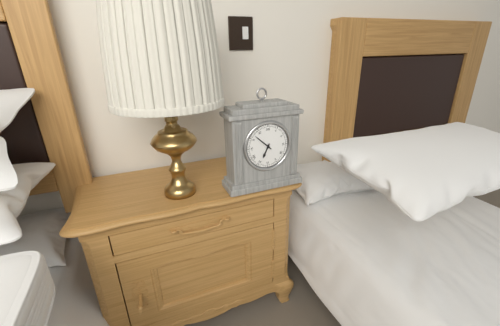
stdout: 6 h 52 min
